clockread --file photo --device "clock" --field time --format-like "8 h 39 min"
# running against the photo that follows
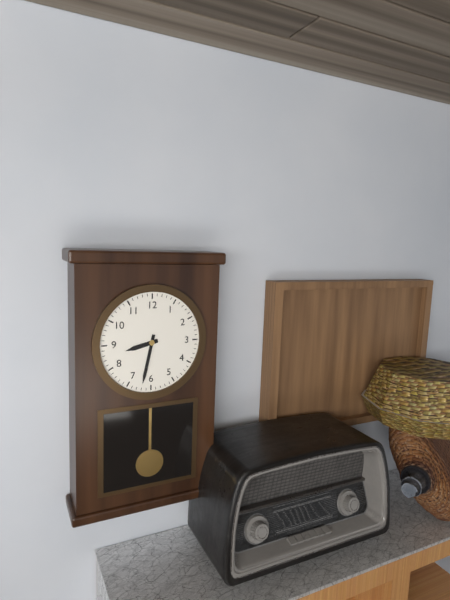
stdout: 8 h 32 min
